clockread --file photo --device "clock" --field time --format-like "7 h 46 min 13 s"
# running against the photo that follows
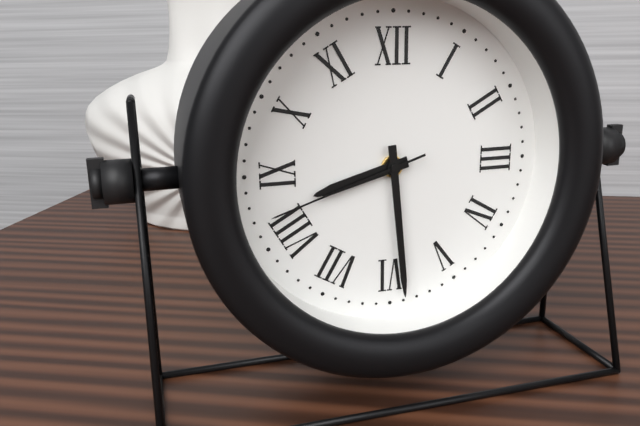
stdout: 8 h 29 min 42 s
